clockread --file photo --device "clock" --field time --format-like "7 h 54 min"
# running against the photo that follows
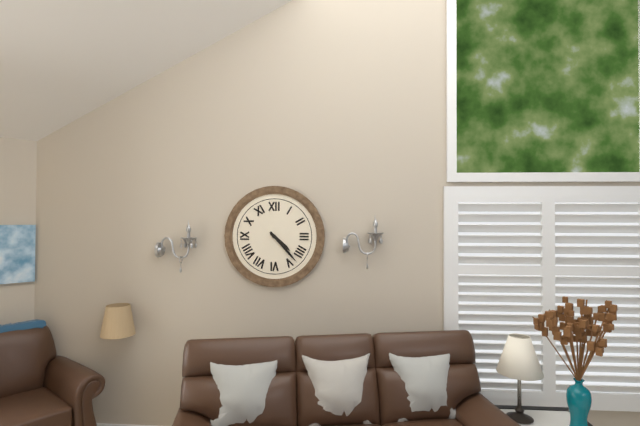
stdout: 4 h 23 min
